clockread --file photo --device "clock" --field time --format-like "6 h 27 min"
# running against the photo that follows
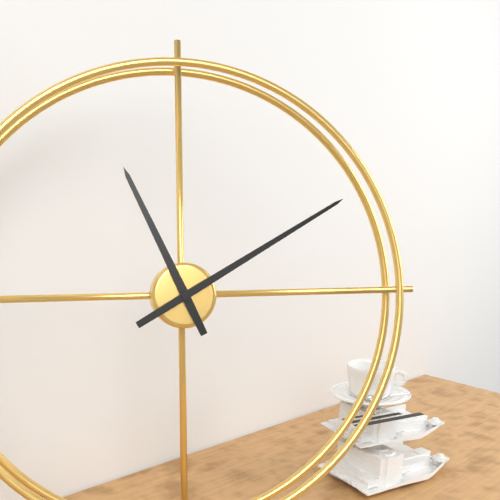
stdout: 11 h 10 min
